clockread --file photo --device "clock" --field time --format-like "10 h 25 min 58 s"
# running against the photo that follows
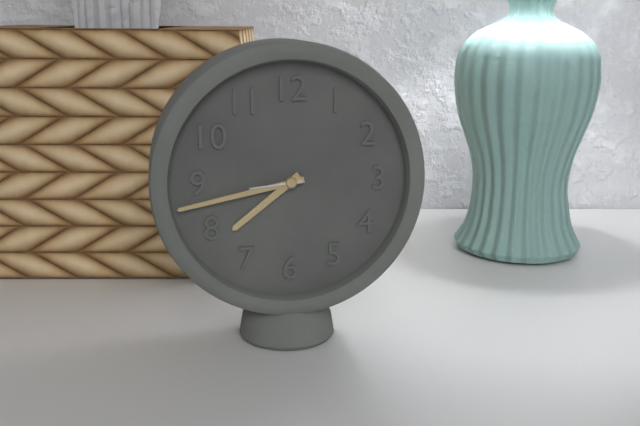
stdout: 7 h 43 min 44 s
